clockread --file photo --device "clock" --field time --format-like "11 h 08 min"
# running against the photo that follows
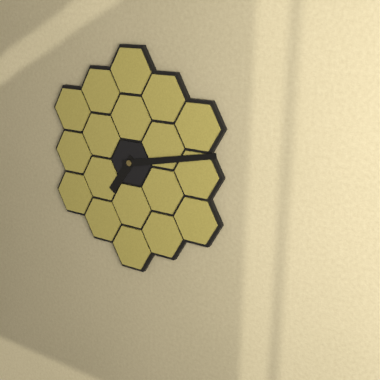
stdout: 7 h 13 min
